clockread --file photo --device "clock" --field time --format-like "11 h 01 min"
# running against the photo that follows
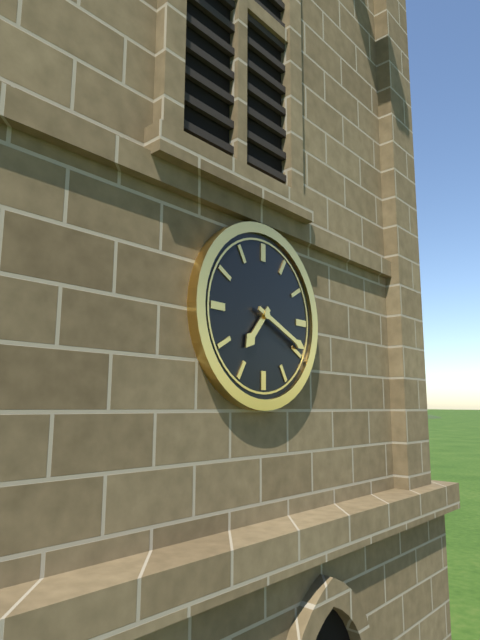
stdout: 7 h 19 min
